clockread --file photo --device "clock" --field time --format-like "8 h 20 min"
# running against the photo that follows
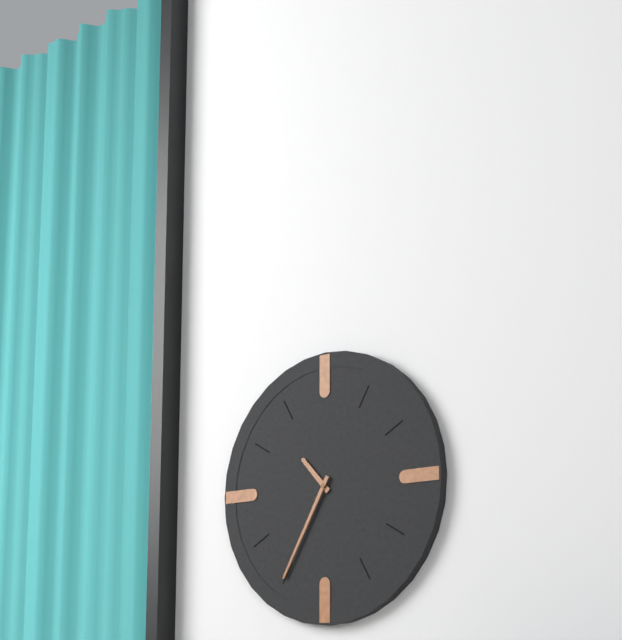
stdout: 10 h 35 min
